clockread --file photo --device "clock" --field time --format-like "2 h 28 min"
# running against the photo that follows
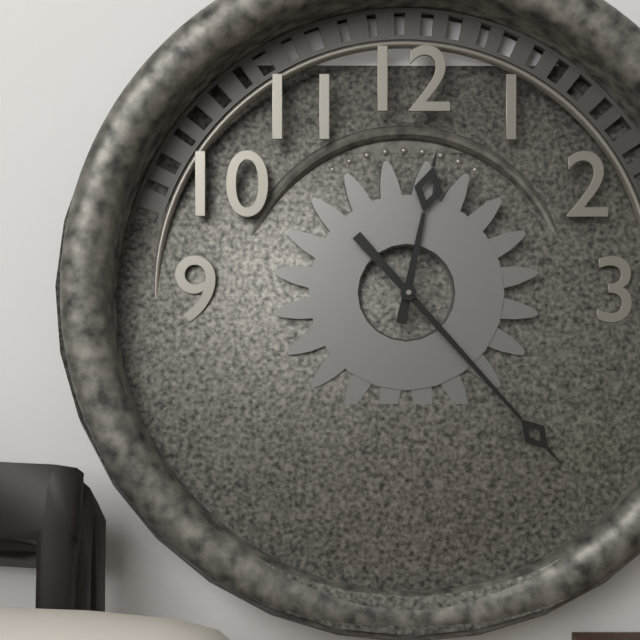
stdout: 12 h 23 min
